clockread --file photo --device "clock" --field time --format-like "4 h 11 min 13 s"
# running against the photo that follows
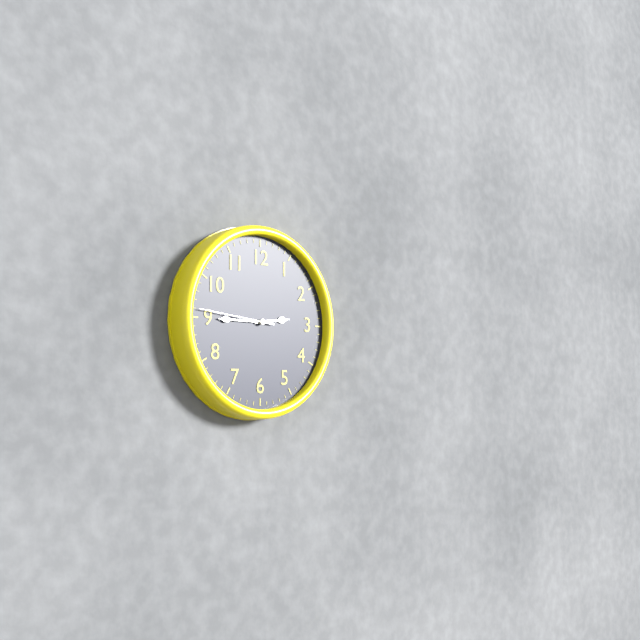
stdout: 2 h 45 min 46 s
